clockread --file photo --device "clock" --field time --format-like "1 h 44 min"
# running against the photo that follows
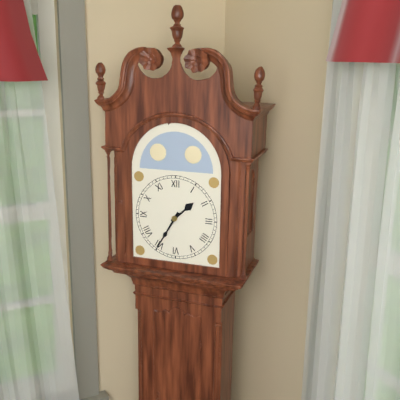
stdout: 1 h 35 min
